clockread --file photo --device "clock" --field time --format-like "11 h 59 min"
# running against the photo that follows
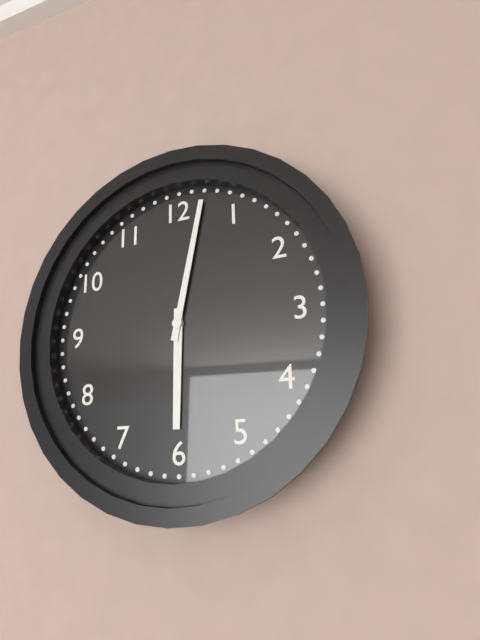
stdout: 6 h 02 min
